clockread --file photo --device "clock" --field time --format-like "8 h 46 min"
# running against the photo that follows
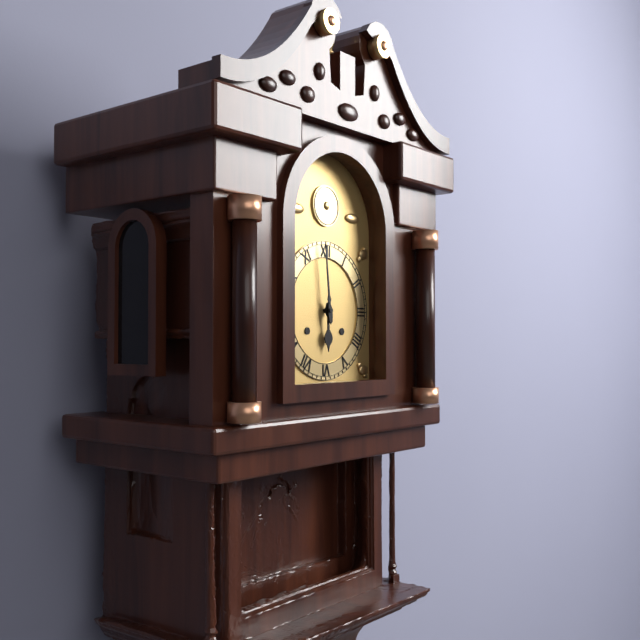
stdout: 5 h 59 min
